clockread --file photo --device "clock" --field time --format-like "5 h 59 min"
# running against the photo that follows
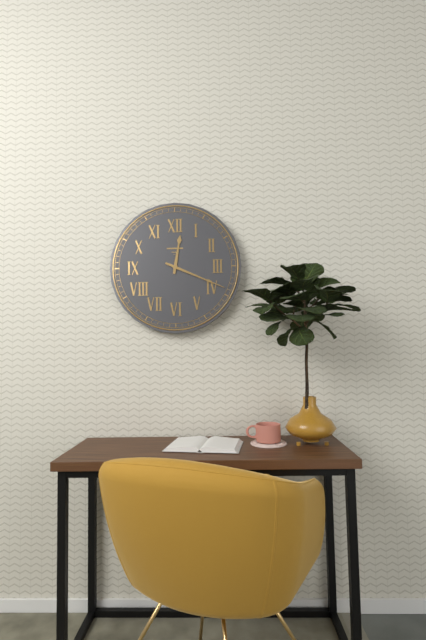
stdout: 12 h 19 min
